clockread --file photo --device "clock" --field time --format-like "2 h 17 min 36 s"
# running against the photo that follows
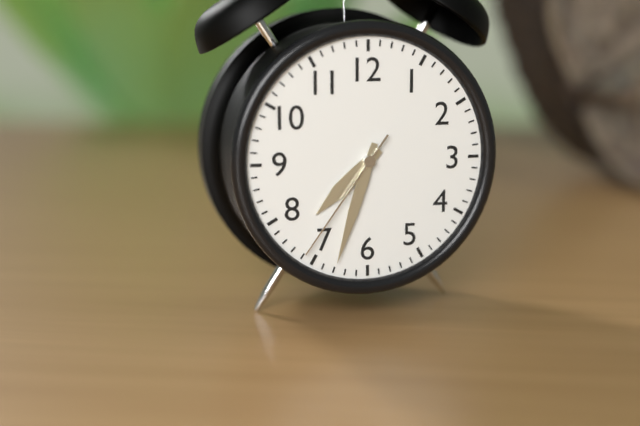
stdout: 7 h 33 min 36 s
